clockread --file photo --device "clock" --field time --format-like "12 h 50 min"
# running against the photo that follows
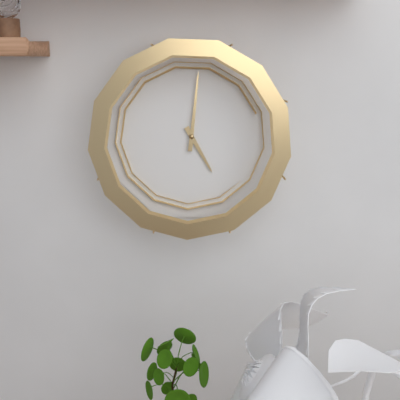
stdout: 5 h 01 min
